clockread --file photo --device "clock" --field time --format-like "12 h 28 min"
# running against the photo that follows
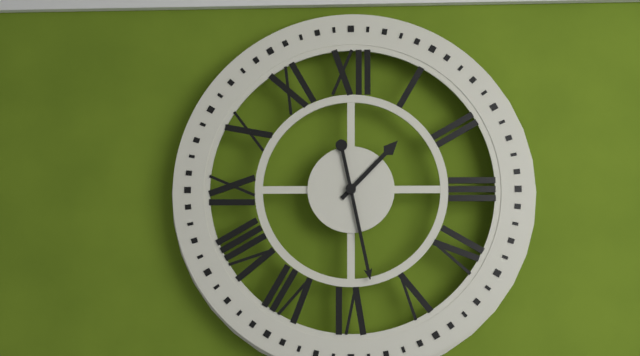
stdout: 1 h 28 min
